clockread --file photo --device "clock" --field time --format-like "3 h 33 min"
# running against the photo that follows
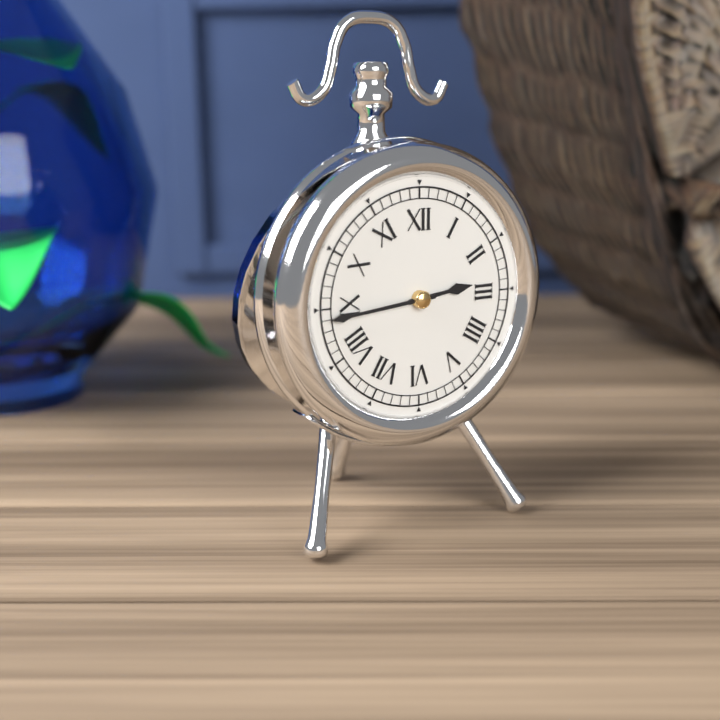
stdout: 2 h 44 min
